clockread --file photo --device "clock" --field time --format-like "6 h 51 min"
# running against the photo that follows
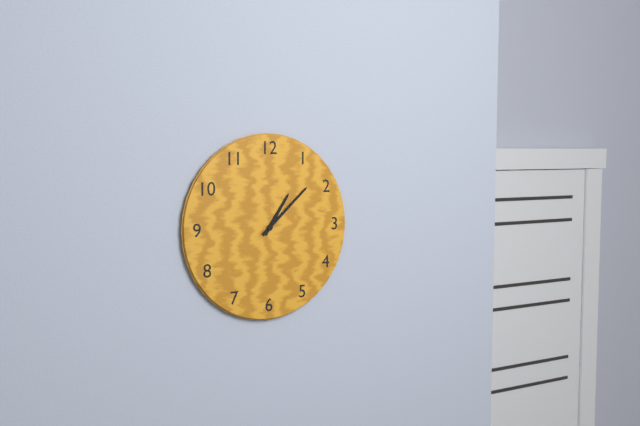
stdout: 1 h 08 min
